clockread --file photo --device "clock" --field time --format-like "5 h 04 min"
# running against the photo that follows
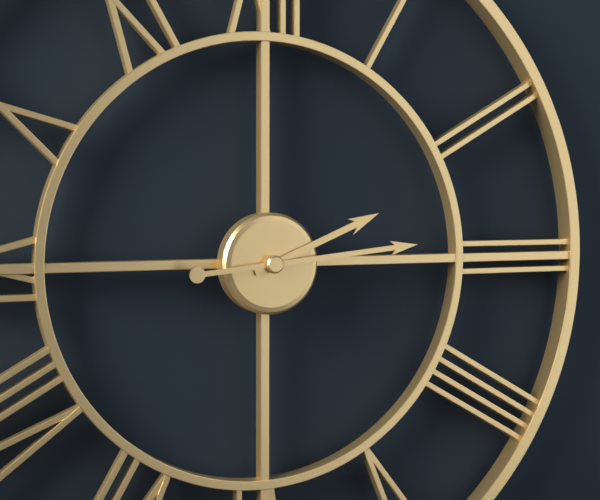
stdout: 2 h 14 min
